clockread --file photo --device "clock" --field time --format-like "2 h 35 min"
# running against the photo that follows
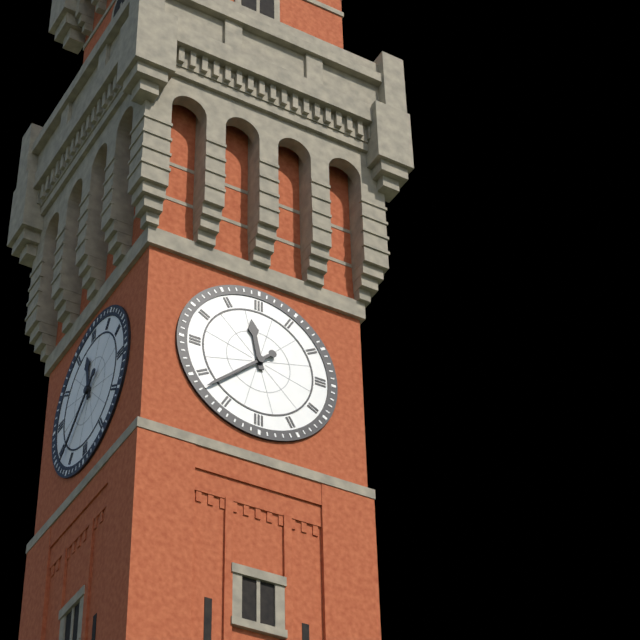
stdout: 11 h 38 min
